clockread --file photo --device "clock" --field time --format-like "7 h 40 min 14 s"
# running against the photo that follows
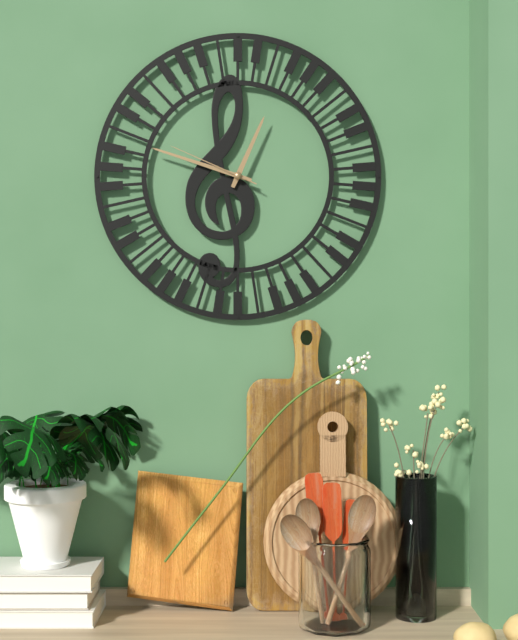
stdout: 12 h 48 min 49 s
